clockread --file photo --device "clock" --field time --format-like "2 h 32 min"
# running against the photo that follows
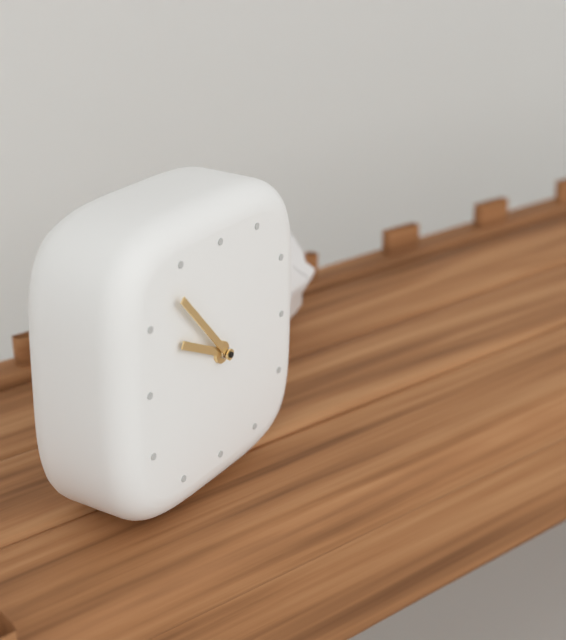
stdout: 9 h 53 min
